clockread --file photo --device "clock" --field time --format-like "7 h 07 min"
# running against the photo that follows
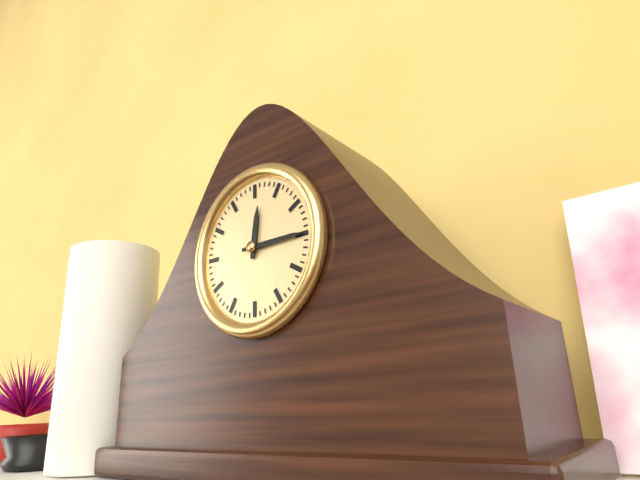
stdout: 12 h 15 min
